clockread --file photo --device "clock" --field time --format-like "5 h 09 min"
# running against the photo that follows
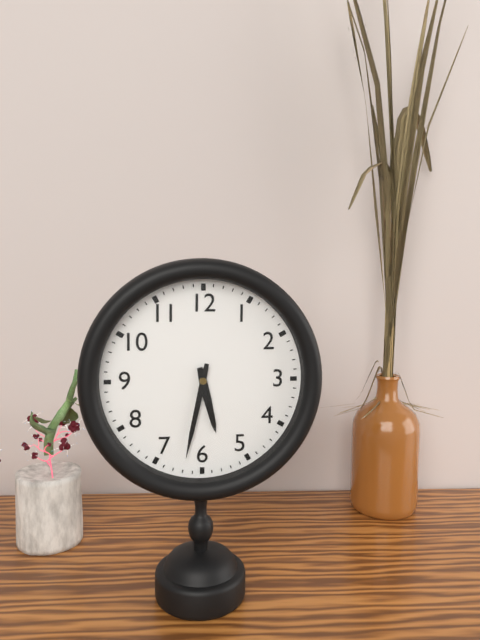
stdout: 5 h 32 min
